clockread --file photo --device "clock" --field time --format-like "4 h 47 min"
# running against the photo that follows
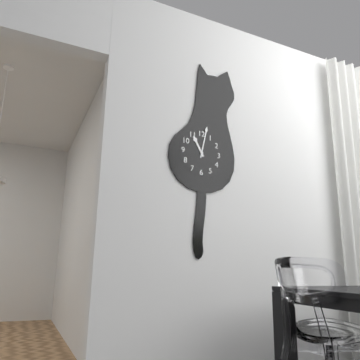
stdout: 11 h 02 min
